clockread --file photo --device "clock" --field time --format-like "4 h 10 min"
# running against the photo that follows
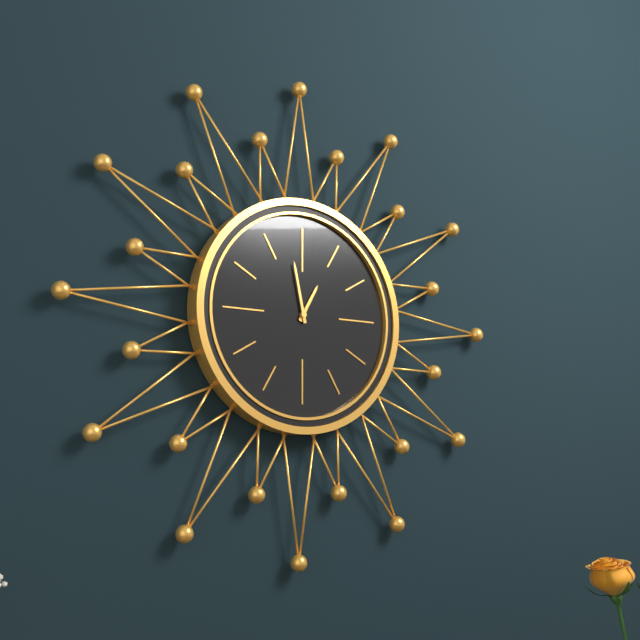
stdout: 12 h 58 min
